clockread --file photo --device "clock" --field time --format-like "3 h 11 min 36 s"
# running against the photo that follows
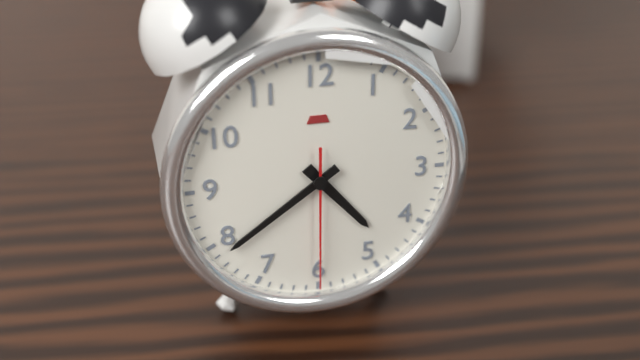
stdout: 4 h 39 min 30 s
